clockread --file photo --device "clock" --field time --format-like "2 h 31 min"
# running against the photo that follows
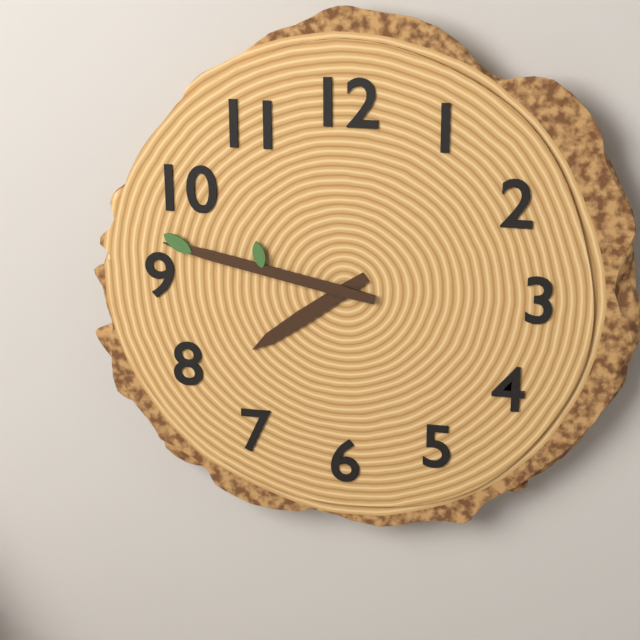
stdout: 7 h 47 min
